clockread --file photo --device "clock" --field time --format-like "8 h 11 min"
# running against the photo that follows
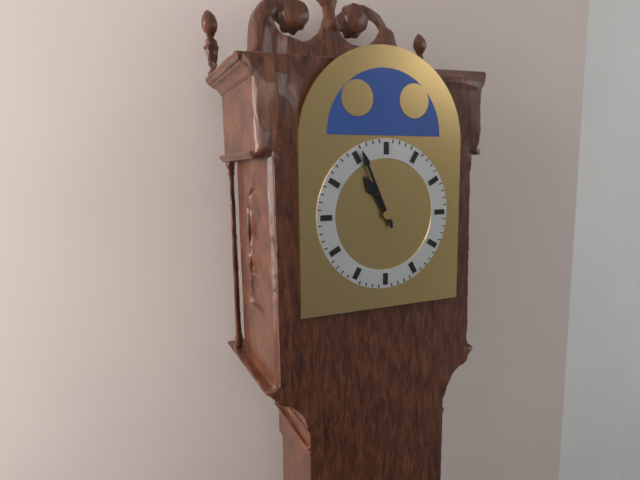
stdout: 10 h 56 min
